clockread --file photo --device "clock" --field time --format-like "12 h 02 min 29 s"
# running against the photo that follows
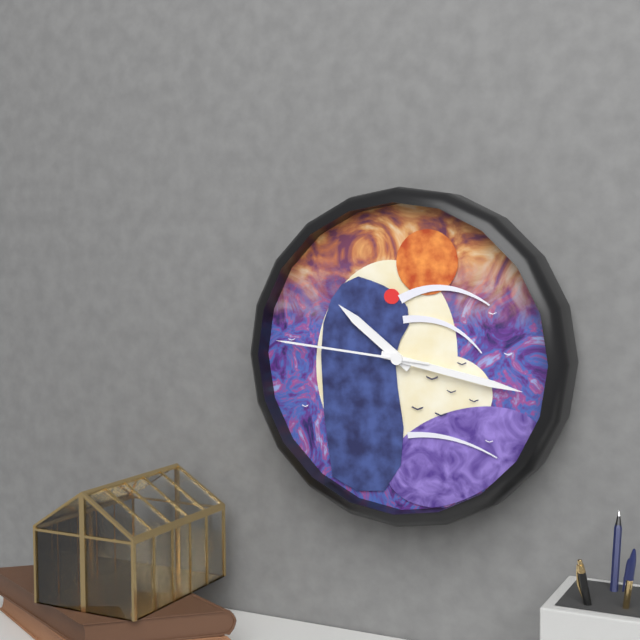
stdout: 10 h 17 min 46 s
